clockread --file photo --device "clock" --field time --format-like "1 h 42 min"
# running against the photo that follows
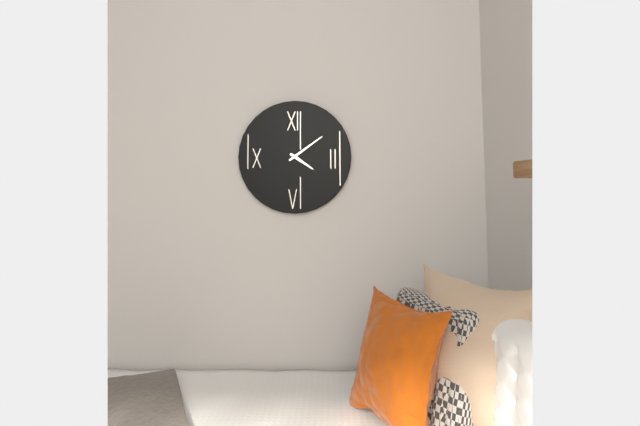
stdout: 4 h 09 min
